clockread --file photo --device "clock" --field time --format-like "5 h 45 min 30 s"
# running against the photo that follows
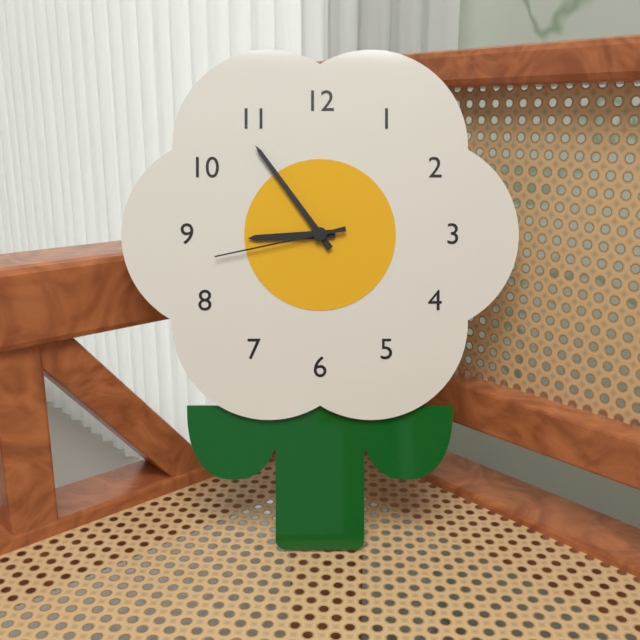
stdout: 8 h 54 min 43 s
